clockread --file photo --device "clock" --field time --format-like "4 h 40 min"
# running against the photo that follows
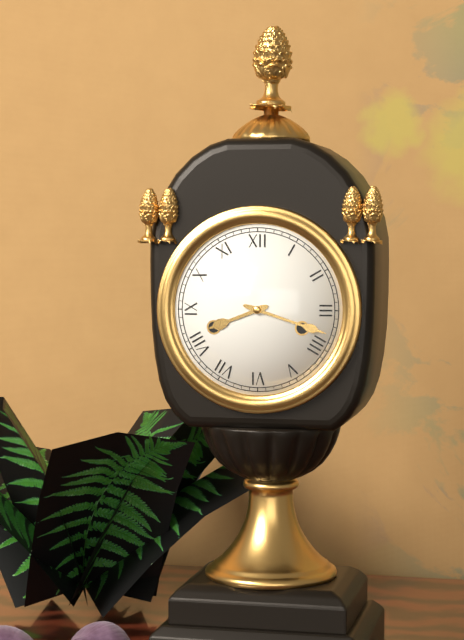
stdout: 8 h 18 min
